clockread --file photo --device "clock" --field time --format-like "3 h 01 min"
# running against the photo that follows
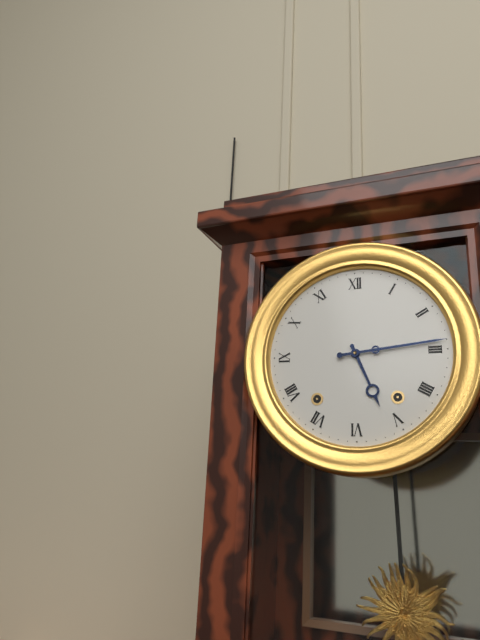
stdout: 5 h 14 min
